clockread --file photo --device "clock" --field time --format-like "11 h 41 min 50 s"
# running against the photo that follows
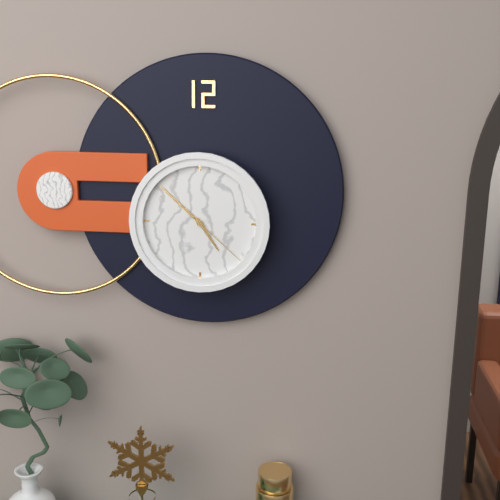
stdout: 4 h 52 min 22 s
